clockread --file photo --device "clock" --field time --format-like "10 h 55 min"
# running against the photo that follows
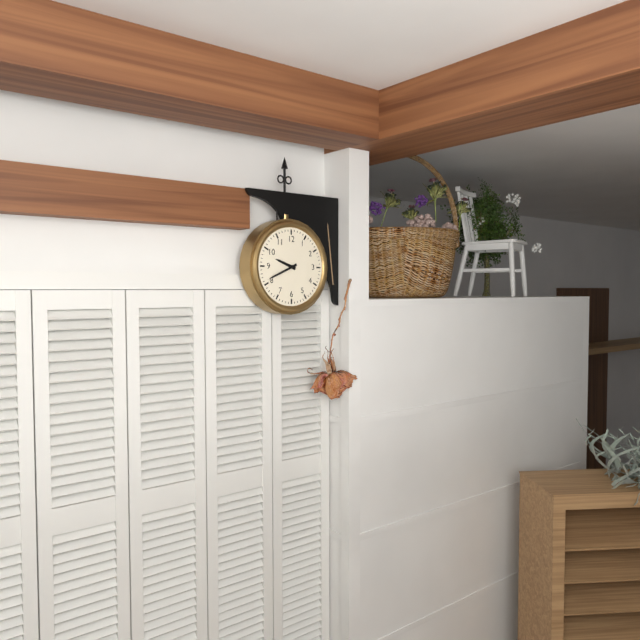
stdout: 9 h 41 min
